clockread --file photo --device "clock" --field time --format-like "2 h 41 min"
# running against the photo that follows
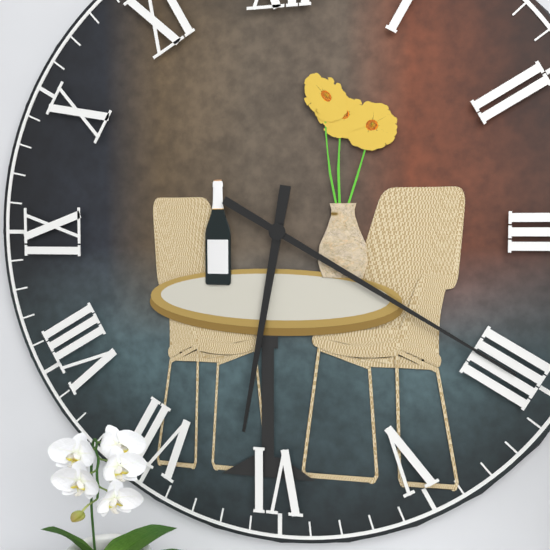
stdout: 6 h 20 min
